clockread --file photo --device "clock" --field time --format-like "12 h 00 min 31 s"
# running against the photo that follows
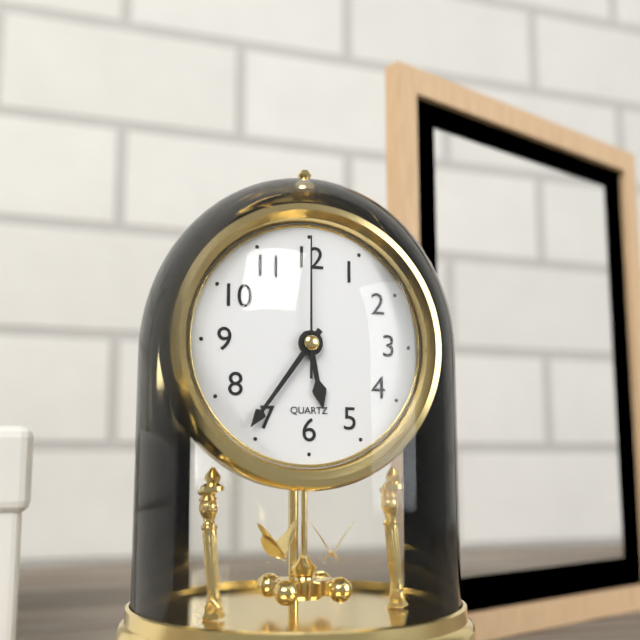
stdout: 5 h 36 min 00 s
